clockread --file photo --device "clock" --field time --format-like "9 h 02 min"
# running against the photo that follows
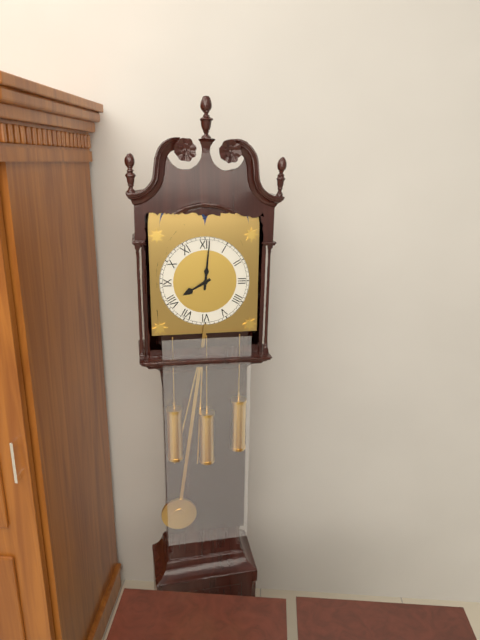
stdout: 8 h 01 min
